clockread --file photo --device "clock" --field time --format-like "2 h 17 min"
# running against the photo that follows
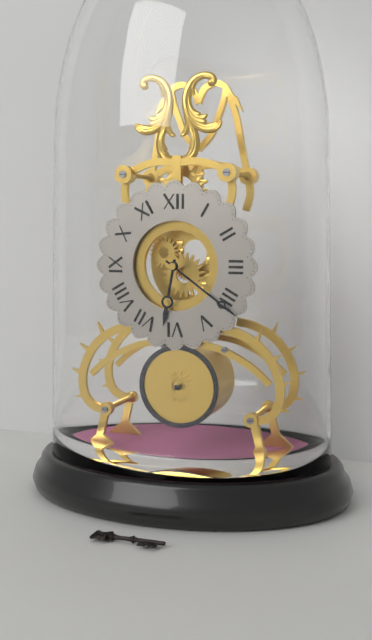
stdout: 6 h 21 min
